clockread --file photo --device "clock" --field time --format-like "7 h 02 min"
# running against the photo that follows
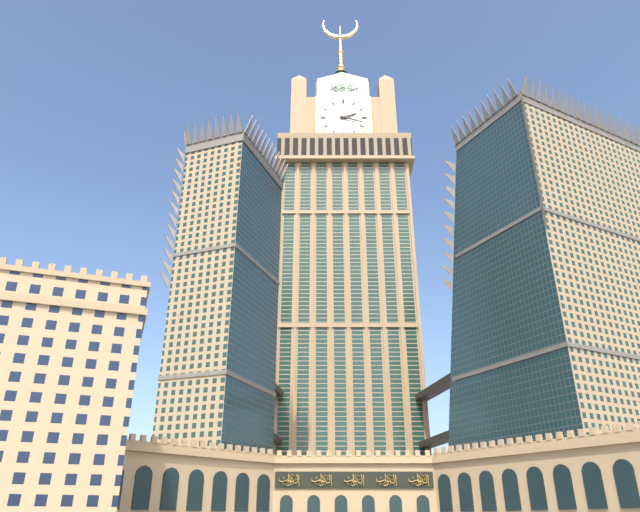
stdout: 2 h 18 min
